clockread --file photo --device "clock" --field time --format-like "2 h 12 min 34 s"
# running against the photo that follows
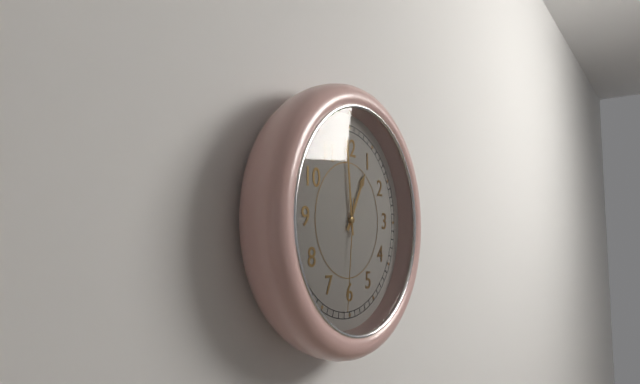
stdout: 12 h 59 min 31 s
